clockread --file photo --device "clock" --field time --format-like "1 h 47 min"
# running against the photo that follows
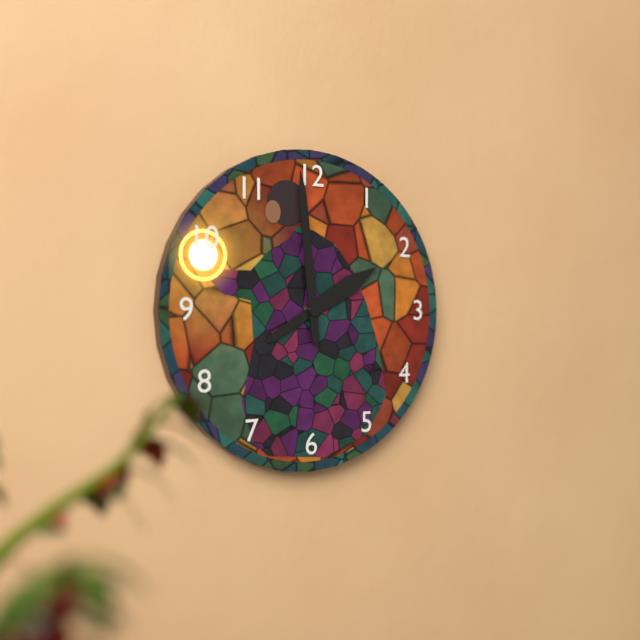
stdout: 1 h 59 min
